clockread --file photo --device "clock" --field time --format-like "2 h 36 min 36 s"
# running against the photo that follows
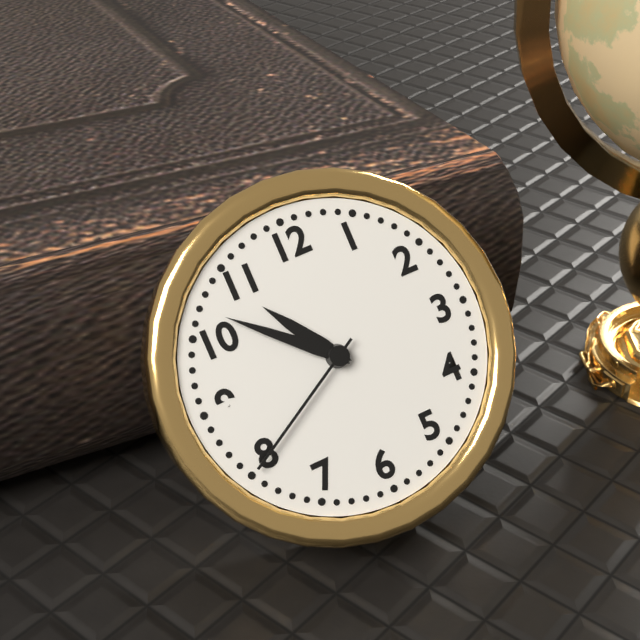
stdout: 10 h 52 min 40 s
